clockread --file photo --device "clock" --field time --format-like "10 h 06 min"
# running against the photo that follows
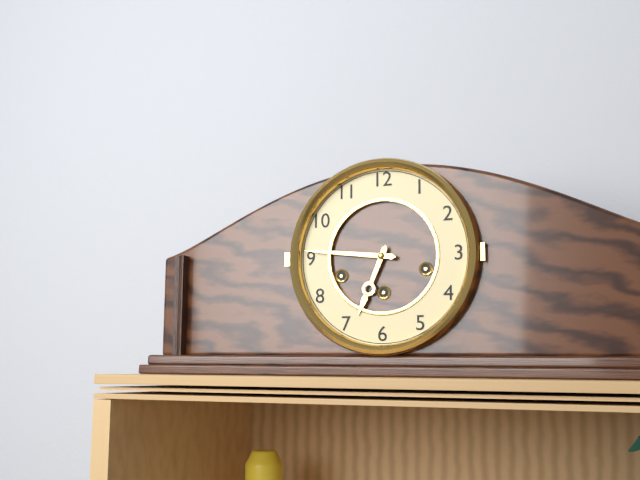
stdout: 6 h 46 min
